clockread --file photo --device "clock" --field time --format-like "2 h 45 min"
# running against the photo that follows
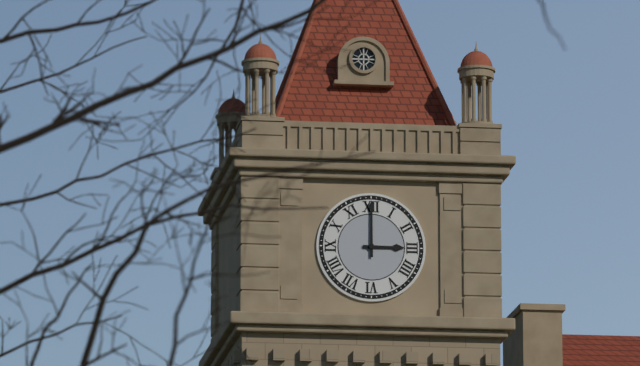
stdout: 3 h 00 min
